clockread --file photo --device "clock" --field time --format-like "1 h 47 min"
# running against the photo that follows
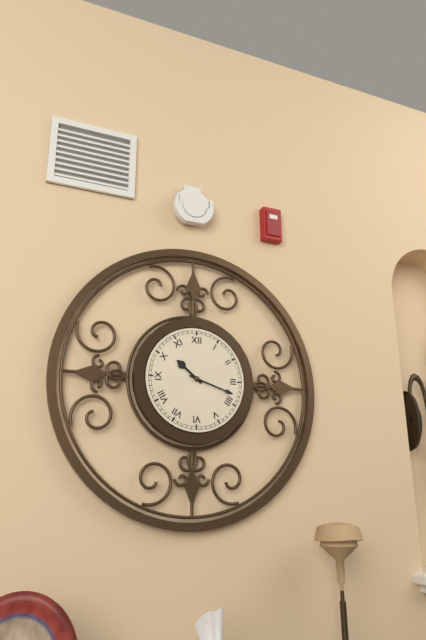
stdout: 10 h 18 min
